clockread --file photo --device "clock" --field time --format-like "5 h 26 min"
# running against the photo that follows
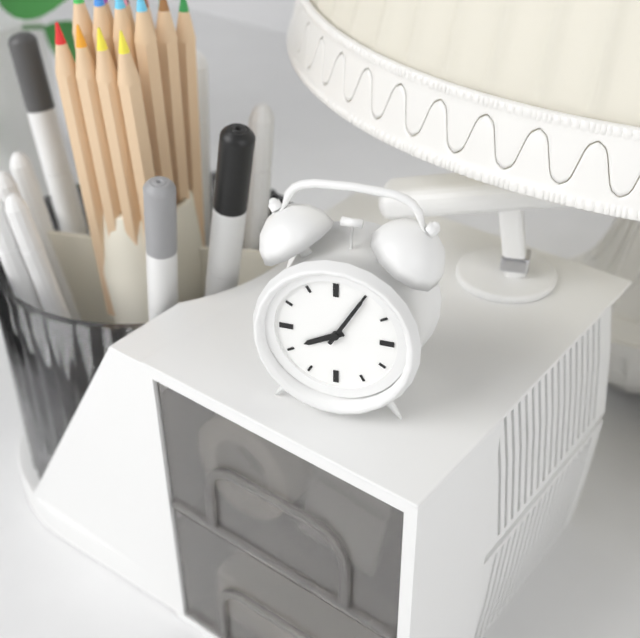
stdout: 8 h 05 min
